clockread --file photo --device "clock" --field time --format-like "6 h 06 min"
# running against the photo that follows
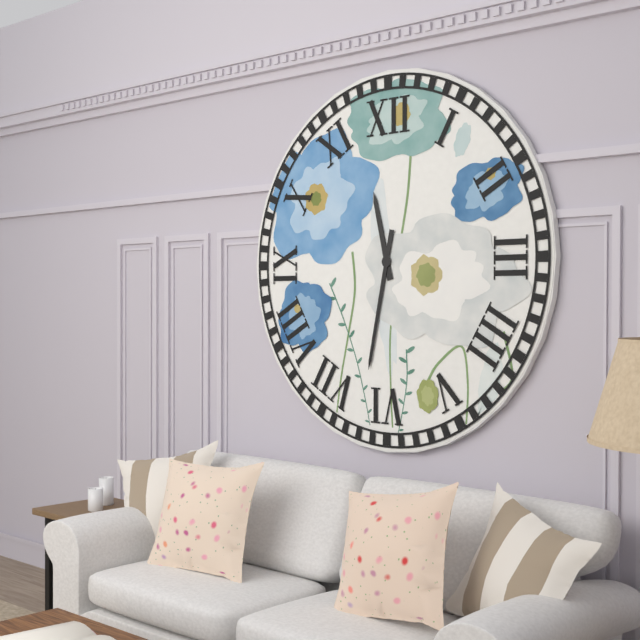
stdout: 11 h 32 min
